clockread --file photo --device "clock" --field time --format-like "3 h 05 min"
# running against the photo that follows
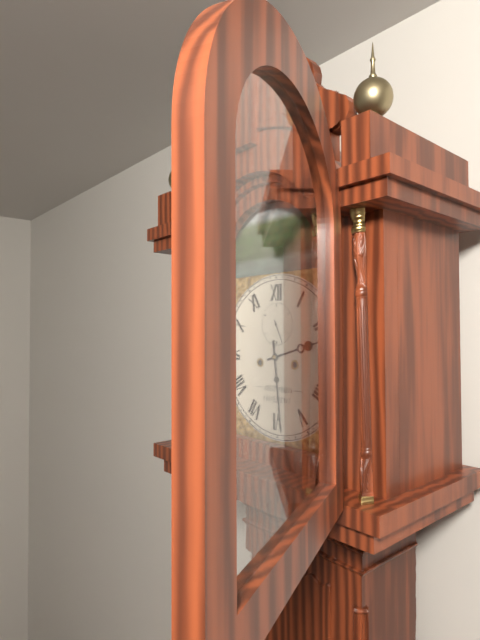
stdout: 2 h 29 min
